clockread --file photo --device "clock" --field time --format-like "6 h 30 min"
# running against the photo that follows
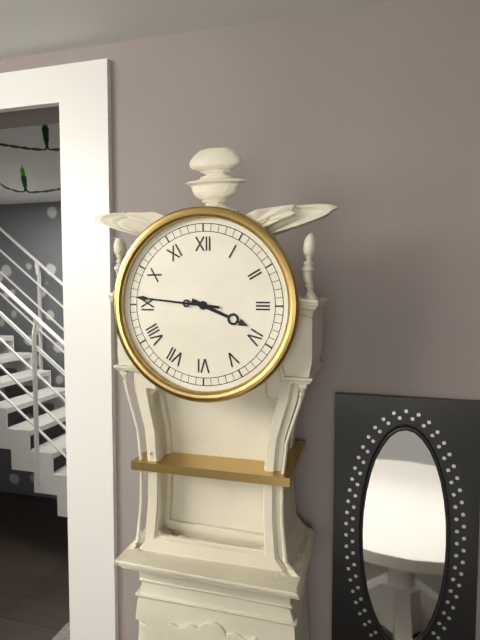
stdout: 3 h 46 min
